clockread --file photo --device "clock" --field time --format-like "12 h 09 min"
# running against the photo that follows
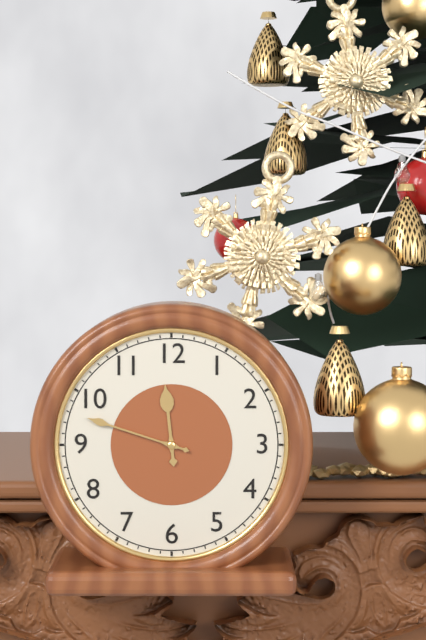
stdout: 11 h 48 min
